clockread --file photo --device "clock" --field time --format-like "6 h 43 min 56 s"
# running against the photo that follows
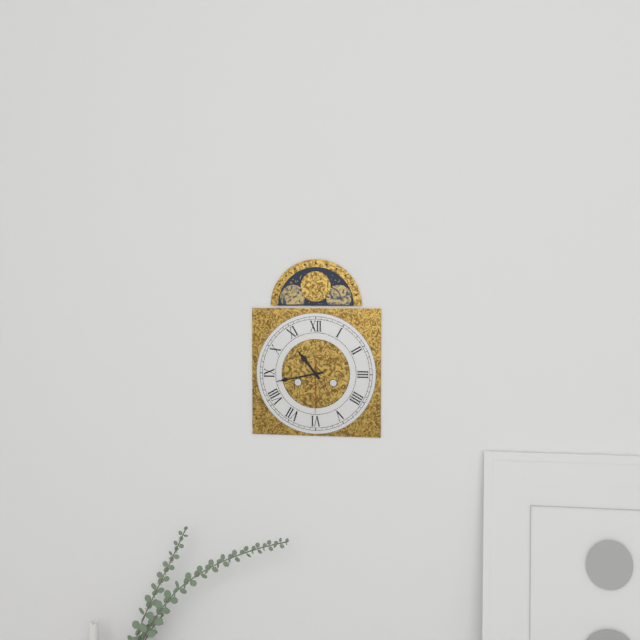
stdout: 10 h 43 min 30 s
